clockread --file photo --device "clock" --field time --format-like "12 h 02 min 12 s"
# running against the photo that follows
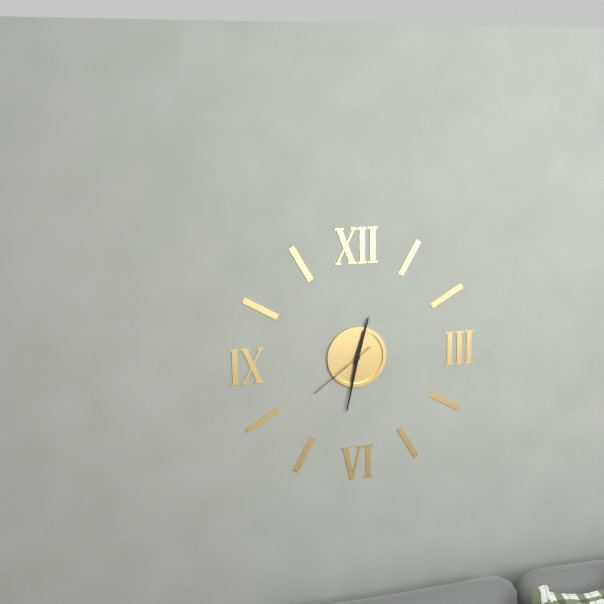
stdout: 12 h 32 min 39 s
